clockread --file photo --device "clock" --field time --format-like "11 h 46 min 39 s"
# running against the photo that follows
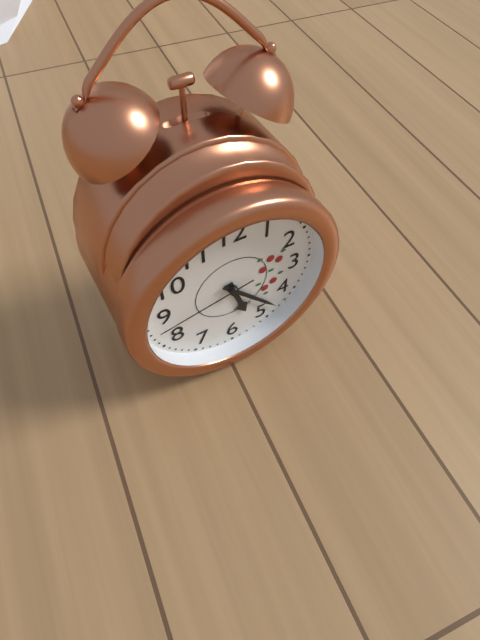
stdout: 5 h 23 min 43 s
